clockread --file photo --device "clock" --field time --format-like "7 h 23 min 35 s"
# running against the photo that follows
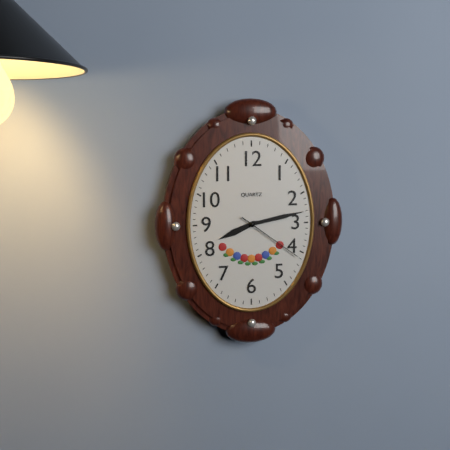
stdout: 8 h 13 min 21 s
